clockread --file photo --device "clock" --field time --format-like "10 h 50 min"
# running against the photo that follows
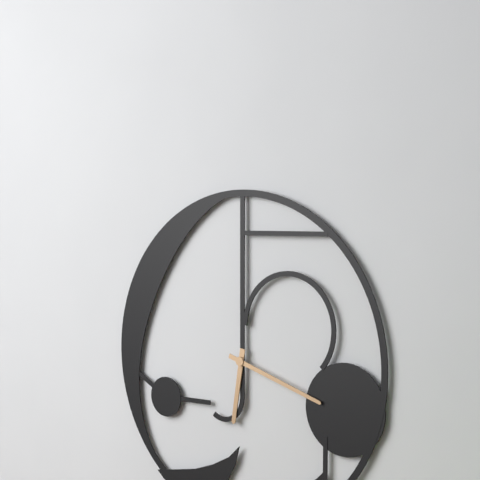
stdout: 6 h 18 min
